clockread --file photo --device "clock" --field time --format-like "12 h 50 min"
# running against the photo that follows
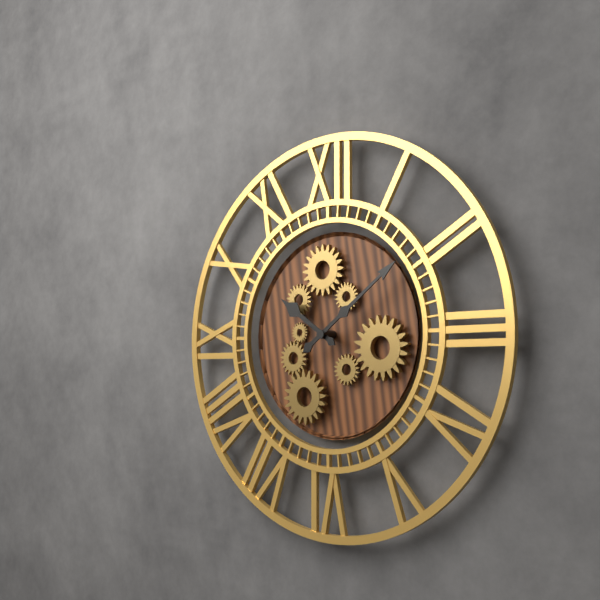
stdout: 10 h 09 min
